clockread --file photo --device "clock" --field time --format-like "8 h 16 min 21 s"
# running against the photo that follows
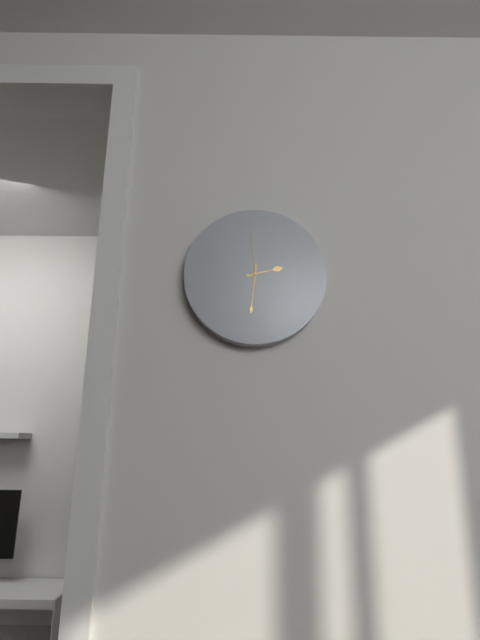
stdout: 2 h 31 min 59 s
